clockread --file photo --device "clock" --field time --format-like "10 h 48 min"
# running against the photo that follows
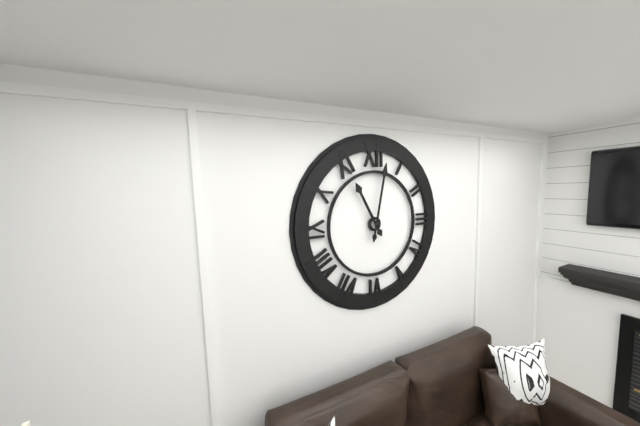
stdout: 11 h 02 min
